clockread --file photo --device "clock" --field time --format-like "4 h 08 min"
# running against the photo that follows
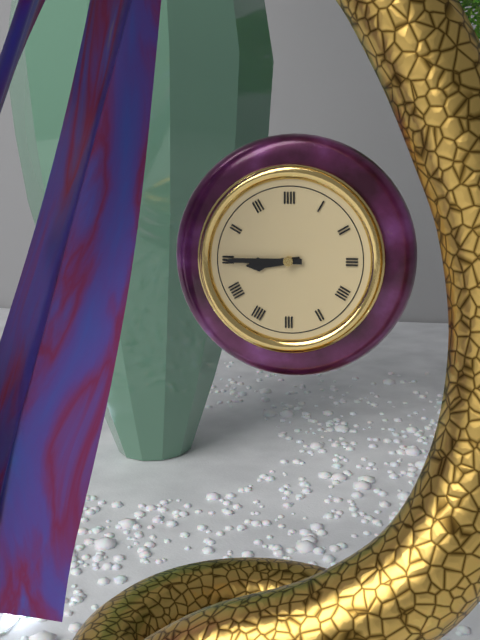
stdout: 8 h 45 min
